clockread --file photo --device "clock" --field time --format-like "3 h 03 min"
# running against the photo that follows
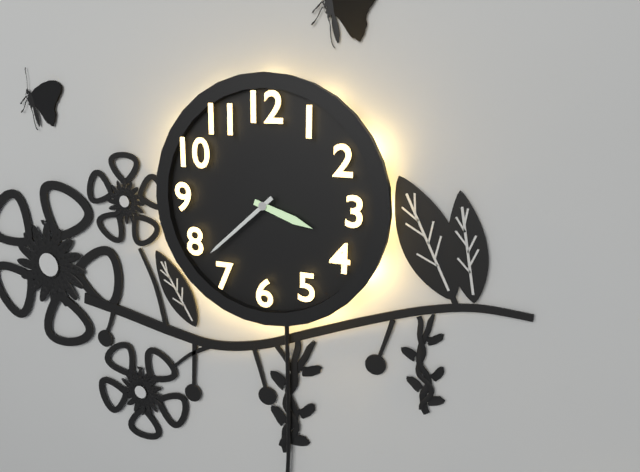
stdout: 3 h 38 min
